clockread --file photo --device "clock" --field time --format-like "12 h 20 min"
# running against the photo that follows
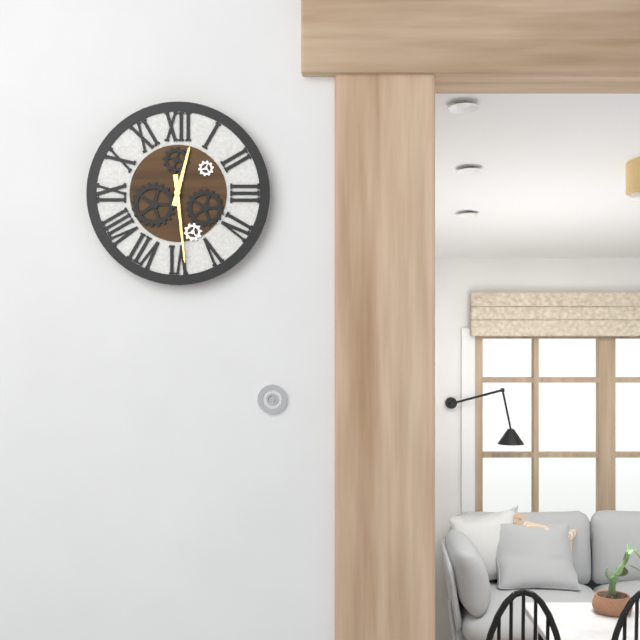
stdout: 12 h 29 min
